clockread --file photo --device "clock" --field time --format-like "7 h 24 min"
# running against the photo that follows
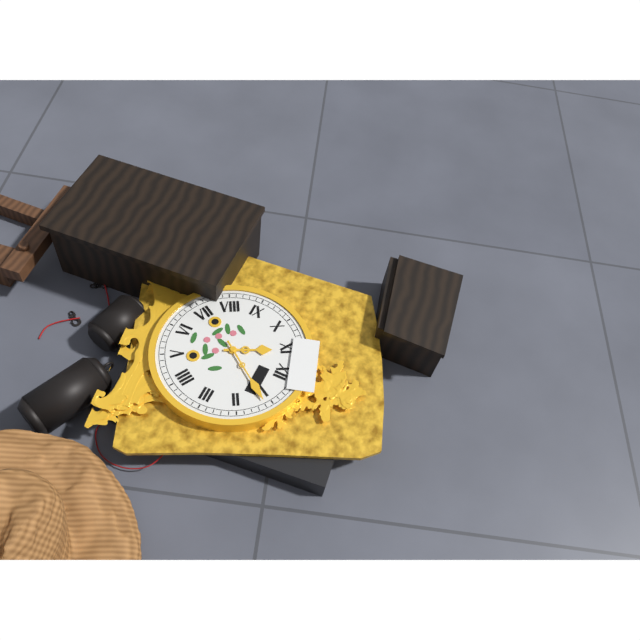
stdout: 11 h 06 min
